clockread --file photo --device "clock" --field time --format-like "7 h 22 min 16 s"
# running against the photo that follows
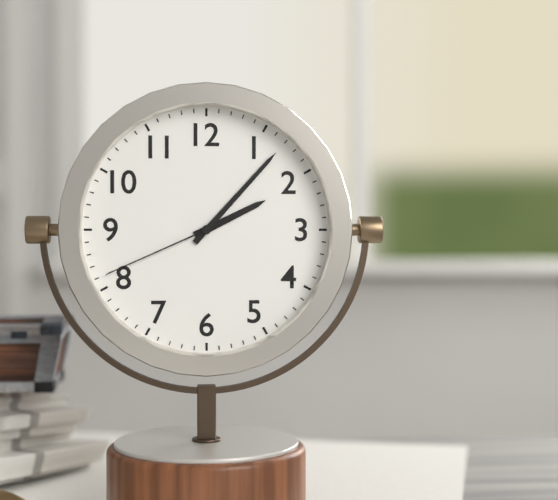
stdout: 2 h 07 min 41 s
